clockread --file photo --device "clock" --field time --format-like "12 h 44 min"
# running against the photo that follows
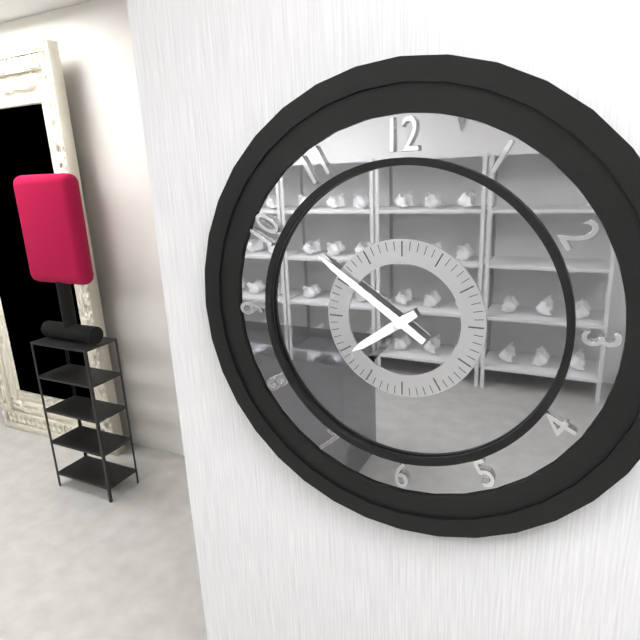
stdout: 7 h 51 min
